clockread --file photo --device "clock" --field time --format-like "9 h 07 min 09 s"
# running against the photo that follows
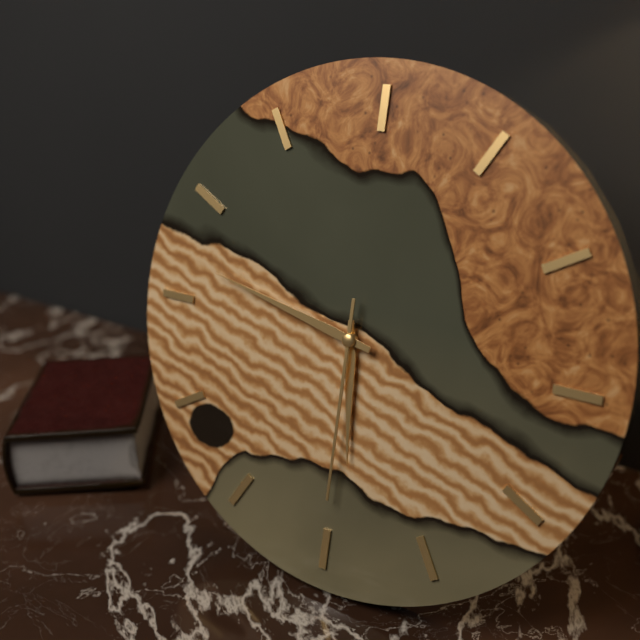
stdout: 5 h 47 min 30 s
